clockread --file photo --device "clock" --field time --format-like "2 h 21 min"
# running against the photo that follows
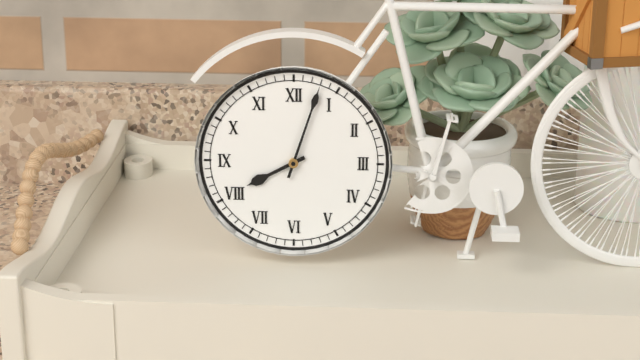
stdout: 8 h 03 min
